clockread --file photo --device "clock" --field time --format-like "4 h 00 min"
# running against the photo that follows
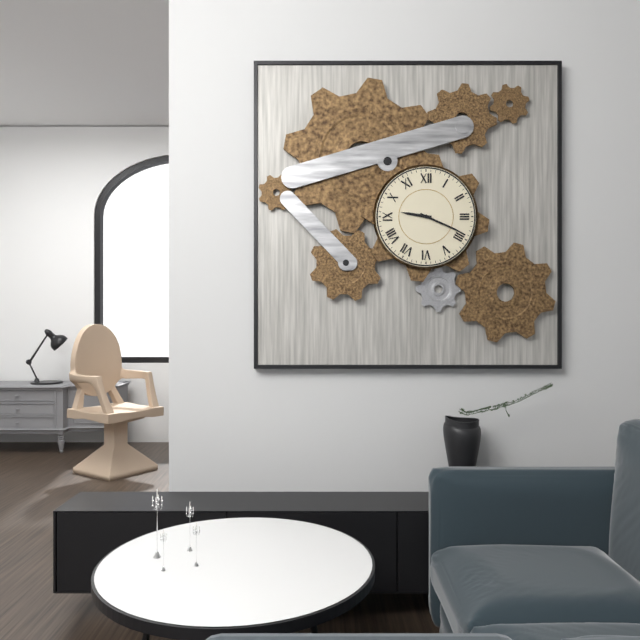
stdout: 9 h 19 min
